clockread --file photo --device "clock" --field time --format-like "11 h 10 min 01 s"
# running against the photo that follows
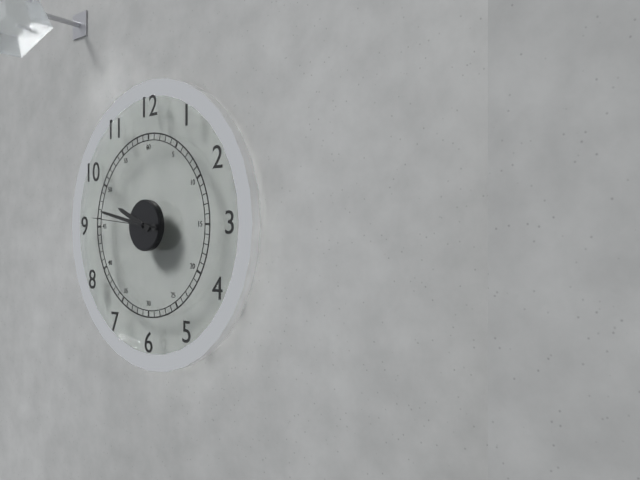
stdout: 9 h 47 min 46 s
